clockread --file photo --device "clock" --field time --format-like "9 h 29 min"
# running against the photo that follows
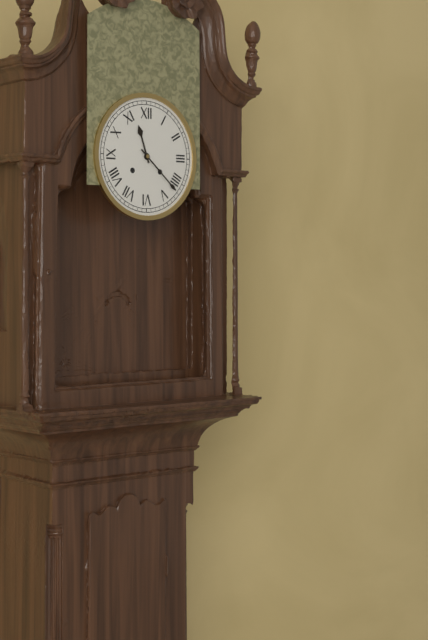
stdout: 11 h 22 min
